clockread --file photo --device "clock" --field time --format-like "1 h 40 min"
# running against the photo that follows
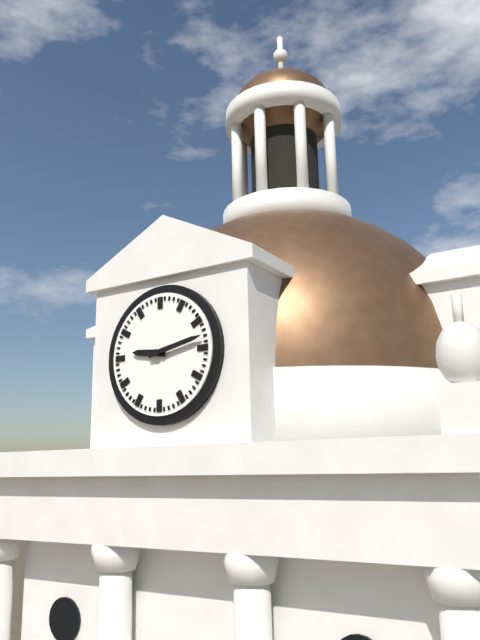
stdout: 9 h 13 min
